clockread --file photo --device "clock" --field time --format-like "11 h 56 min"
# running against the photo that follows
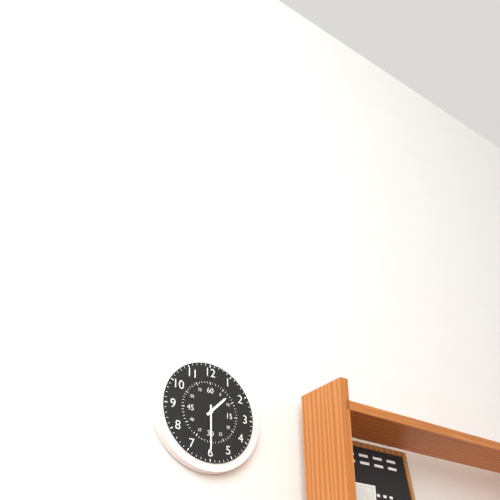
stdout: 1 h 30 min
